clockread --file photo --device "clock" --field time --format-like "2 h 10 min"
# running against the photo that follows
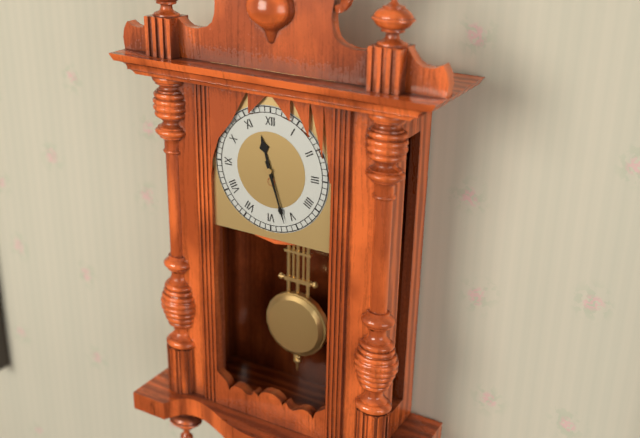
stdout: 11 h 27 min
